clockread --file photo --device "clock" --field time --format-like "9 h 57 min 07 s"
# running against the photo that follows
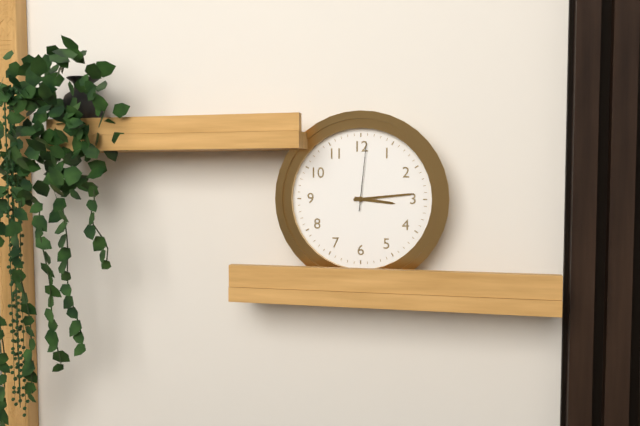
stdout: 3 h 14 min 01 s
